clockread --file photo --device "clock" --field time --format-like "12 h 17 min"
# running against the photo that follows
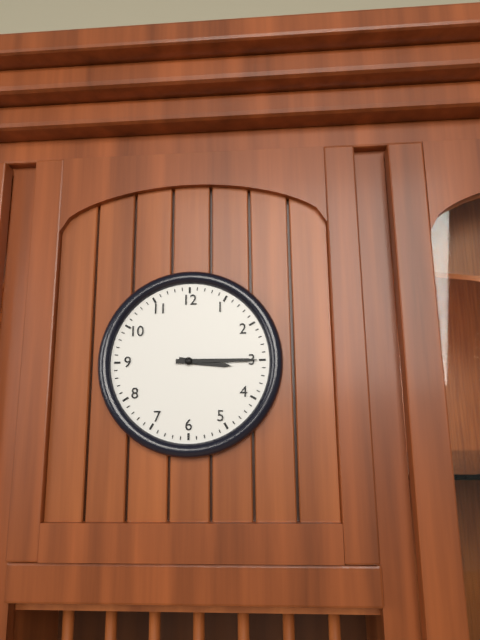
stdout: 3 h 15 min
